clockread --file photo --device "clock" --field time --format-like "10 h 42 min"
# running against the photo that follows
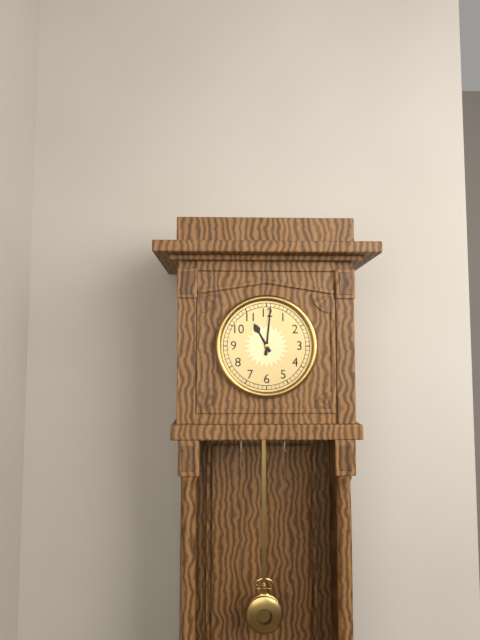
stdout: 11 h 01 min
